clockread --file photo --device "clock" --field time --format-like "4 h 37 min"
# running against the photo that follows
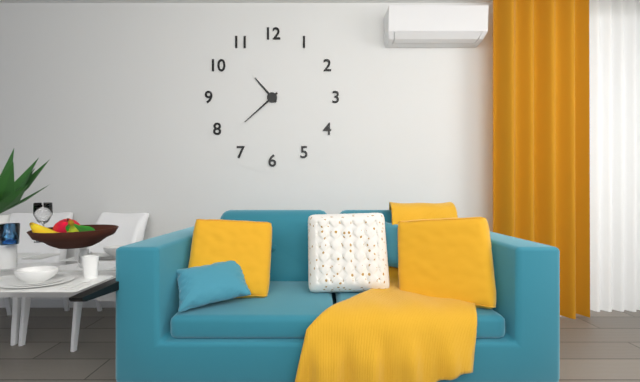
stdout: 10 h 38 min
